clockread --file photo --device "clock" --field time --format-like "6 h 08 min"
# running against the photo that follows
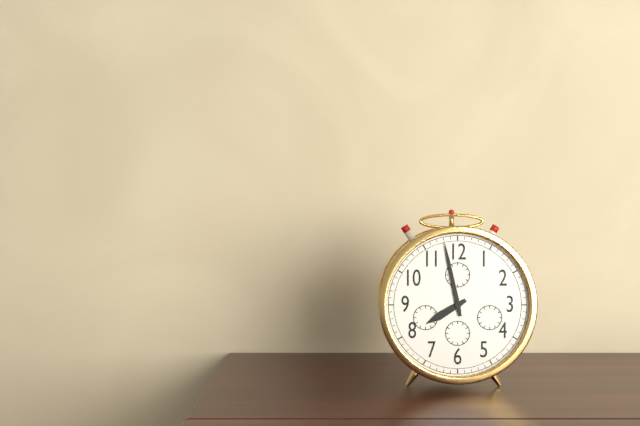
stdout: 7 h 58 min
